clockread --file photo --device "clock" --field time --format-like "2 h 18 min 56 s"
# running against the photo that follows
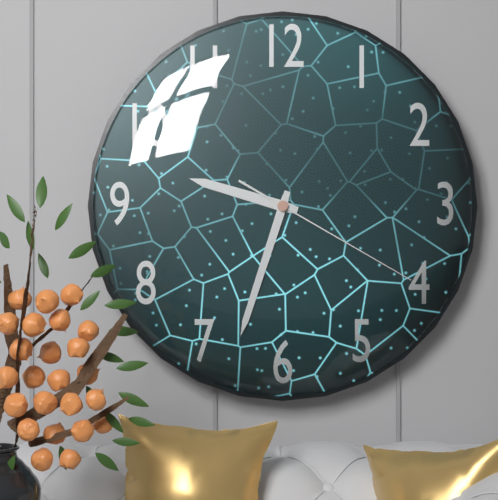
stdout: 9 h 33 min 20 s
